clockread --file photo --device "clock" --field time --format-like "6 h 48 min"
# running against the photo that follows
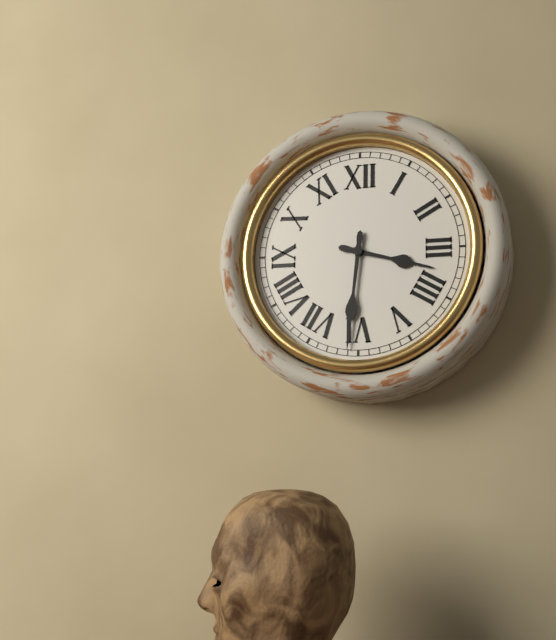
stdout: 3 h 31 min
